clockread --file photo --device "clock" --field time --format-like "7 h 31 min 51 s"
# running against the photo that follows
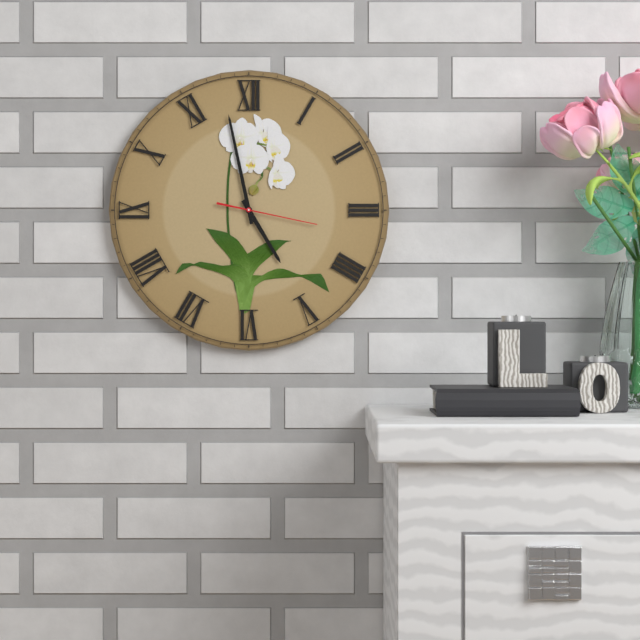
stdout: 4 h 58 min 17 s
